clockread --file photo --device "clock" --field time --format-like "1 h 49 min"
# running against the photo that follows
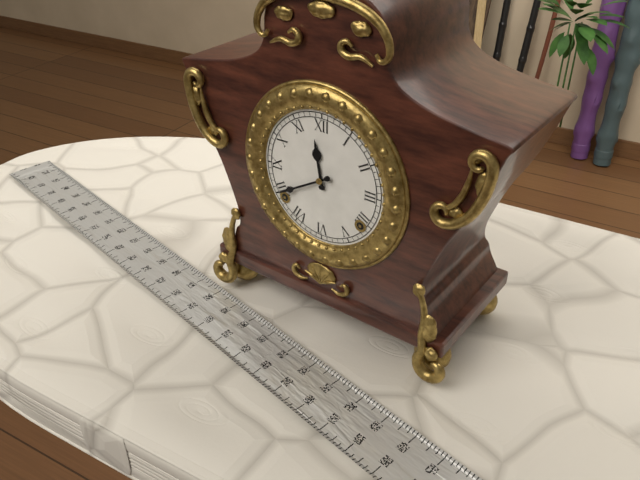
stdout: 11 h 40 min
